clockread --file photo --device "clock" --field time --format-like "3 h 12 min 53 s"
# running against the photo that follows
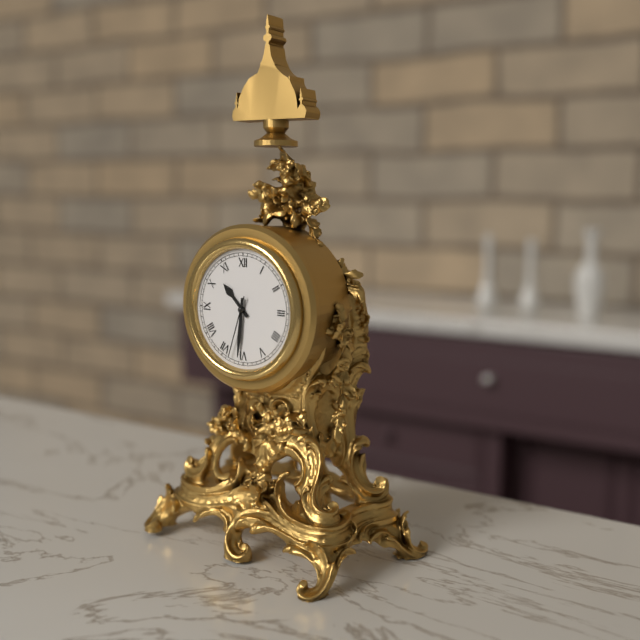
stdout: 10 h 31 min 33 s
